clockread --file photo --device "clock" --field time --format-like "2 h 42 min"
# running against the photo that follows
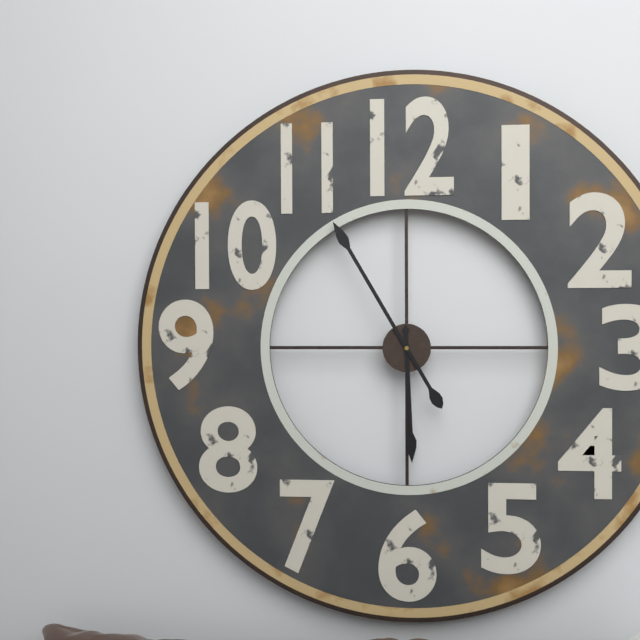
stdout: 5 h 55 min
